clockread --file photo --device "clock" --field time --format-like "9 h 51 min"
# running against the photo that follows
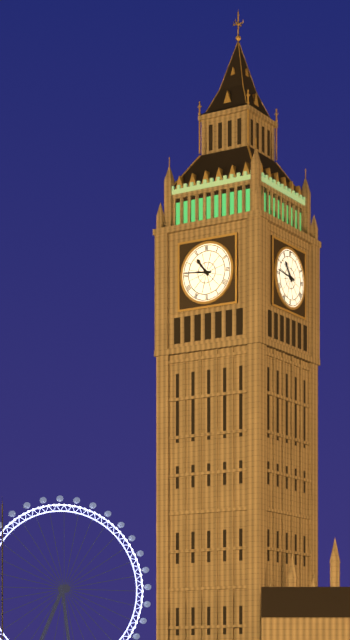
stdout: 10 h 46 min
